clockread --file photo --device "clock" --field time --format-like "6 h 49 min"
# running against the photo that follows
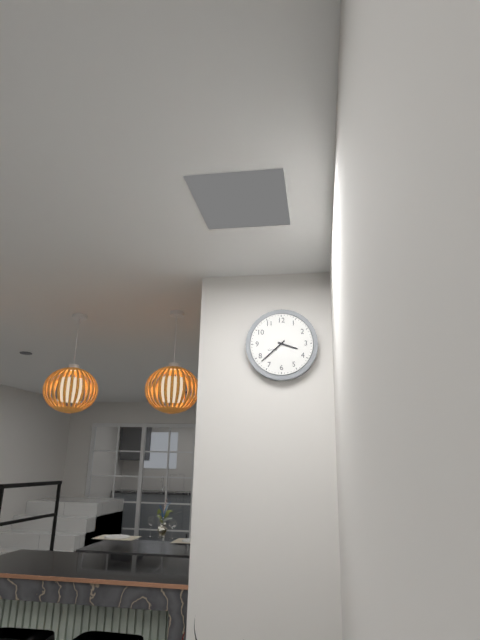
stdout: 3 h 38 min
